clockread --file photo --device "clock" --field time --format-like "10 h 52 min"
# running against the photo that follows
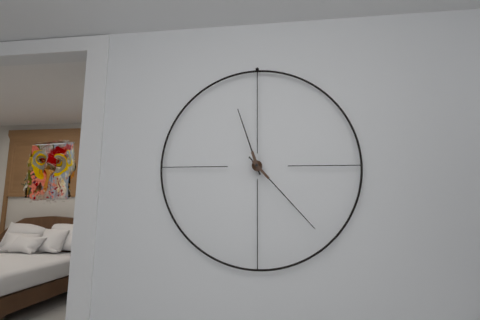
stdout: 11 h 23 min
